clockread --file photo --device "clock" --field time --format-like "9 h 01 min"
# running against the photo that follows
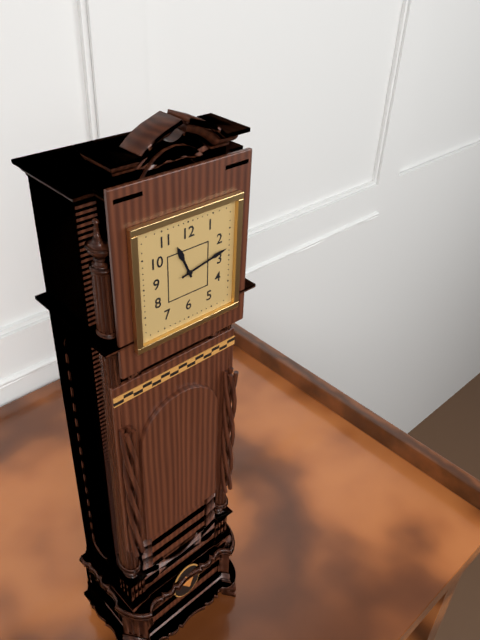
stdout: 11 h 13 min
